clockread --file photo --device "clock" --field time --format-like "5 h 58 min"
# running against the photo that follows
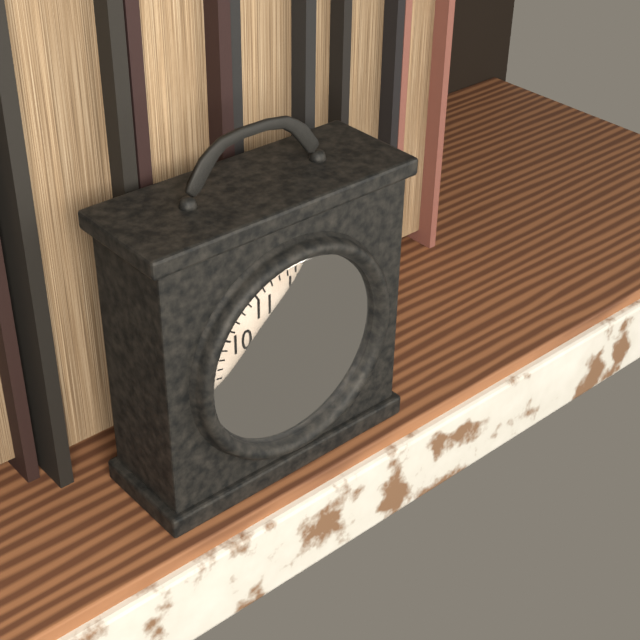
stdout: 10 h 28 min
